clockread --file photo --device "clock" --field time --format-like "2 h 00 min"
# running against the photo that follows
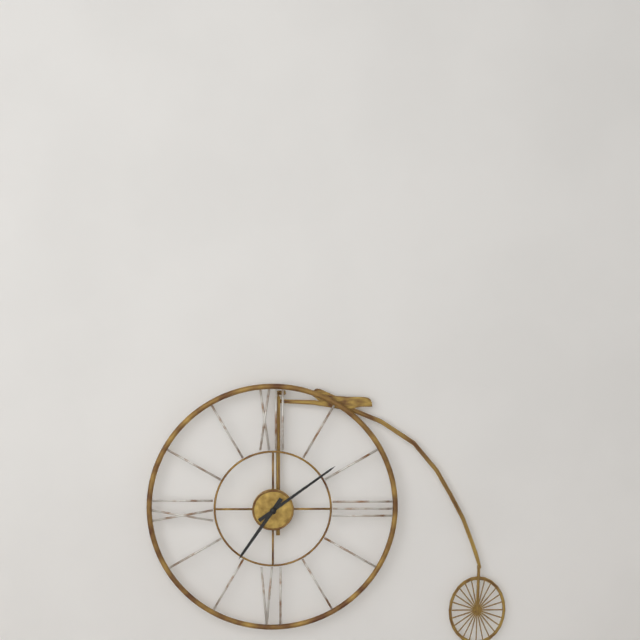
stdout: 7 h 09 min
